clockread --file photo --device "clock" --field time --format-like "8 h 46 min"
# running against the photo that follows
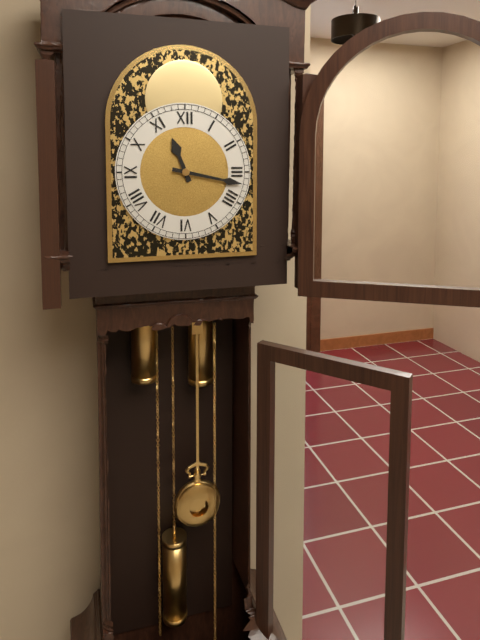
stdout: 11 h 17 min
